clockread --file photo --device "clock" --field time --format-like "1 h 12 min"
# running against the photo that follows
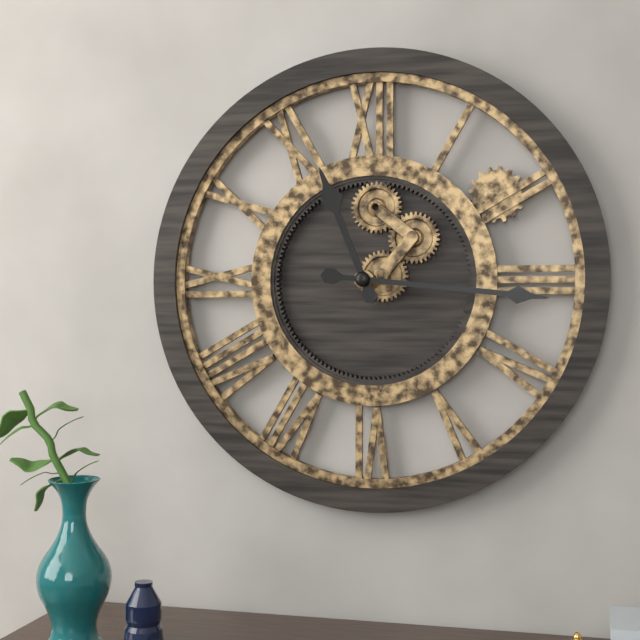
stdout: 11 h 16 min
